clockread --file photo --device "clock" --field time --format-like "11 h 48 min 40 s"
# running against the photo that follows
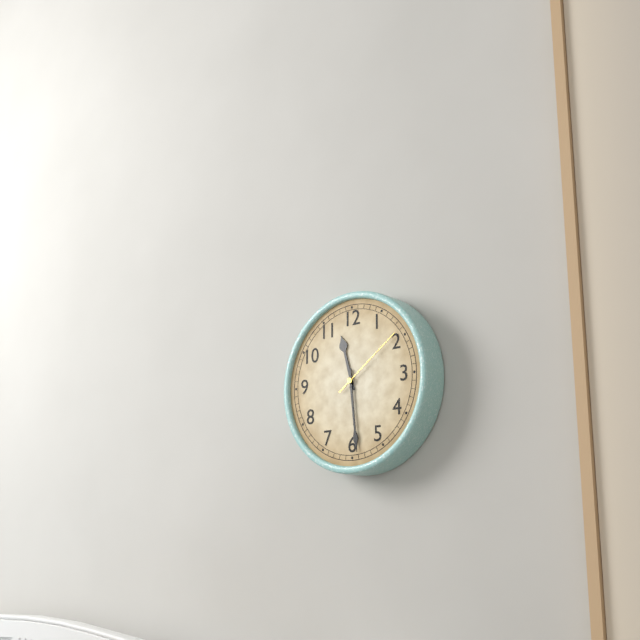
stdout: 11 h 29 min 09 s
